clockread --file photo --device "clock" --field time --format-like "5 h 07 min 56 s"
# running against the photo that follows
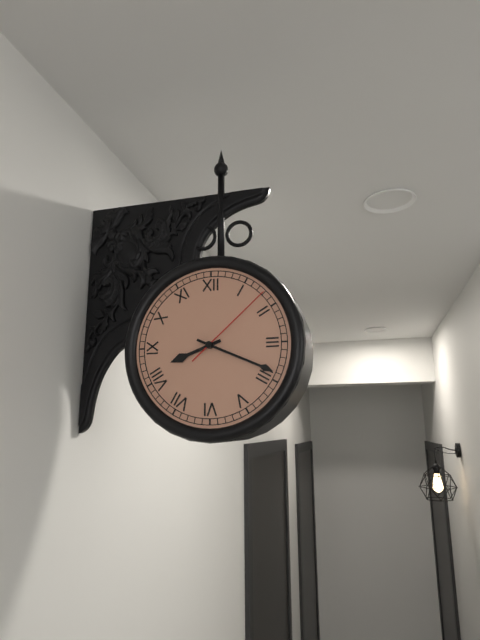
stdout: 8 h 19 min 08 s
